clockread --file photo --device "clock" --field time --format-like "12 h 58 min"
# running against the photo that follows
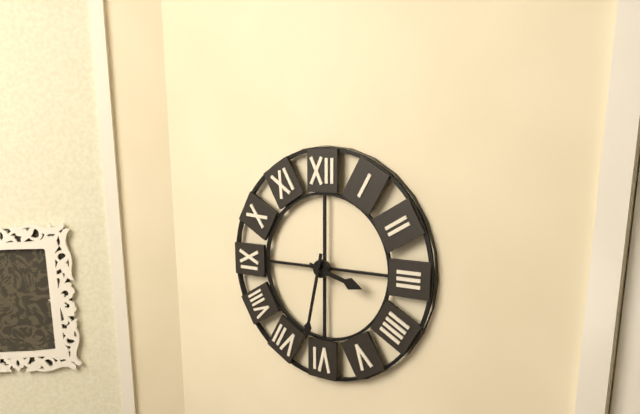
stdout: 3 h 32 min
